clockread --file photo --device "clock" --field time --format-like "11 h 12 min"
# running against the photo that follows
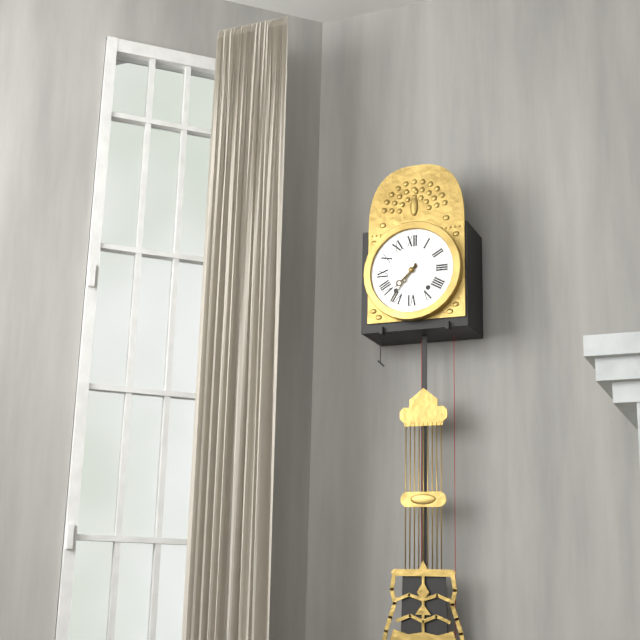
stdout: 7 h 36 min
